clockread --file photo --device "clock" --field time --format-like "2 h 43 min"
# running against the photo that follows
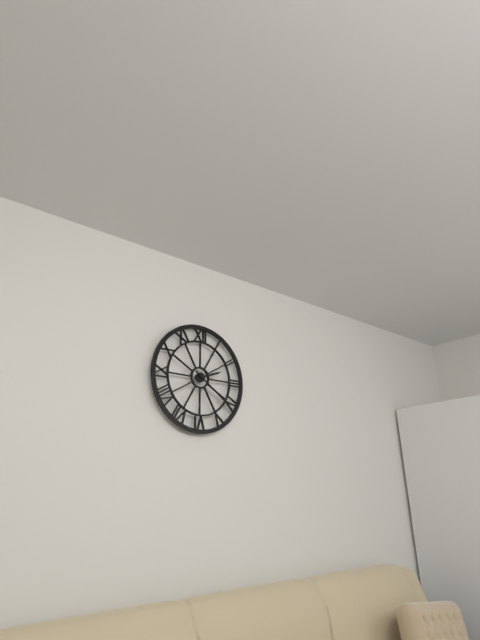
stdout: 2 h 21 min
